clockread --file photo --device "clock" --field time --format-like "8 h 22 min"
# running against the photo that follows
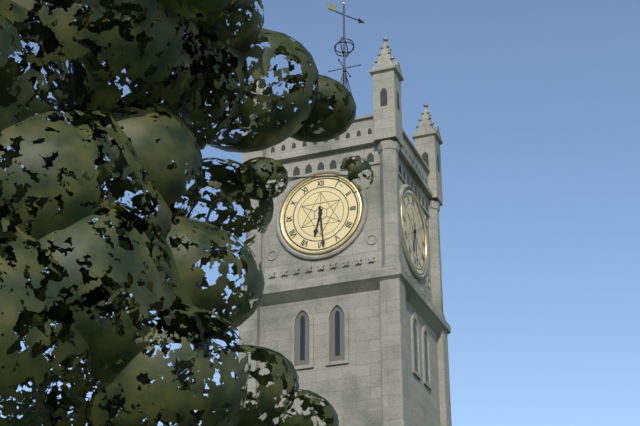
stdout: 6 h 29 min
